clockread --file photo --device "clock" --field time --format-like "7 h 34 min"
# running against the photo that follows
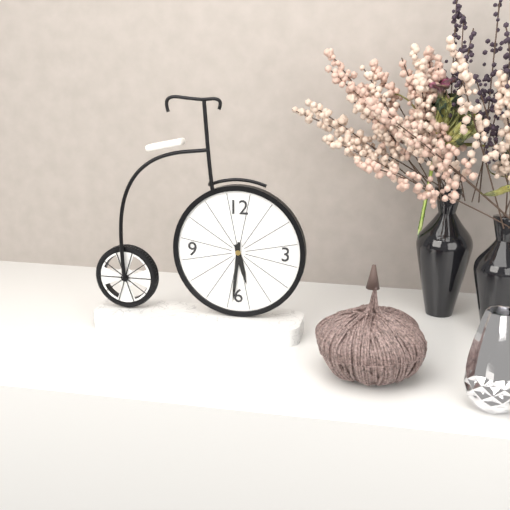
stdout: 5 h 31 min
